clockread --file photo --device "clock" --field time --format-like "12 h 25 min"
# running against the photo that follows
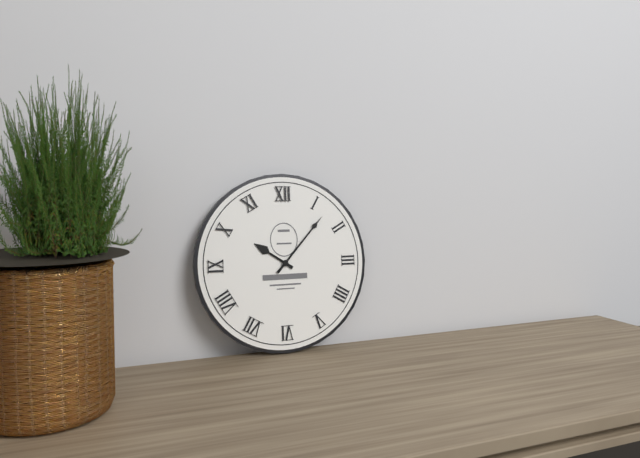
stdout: 10 h 07 min
